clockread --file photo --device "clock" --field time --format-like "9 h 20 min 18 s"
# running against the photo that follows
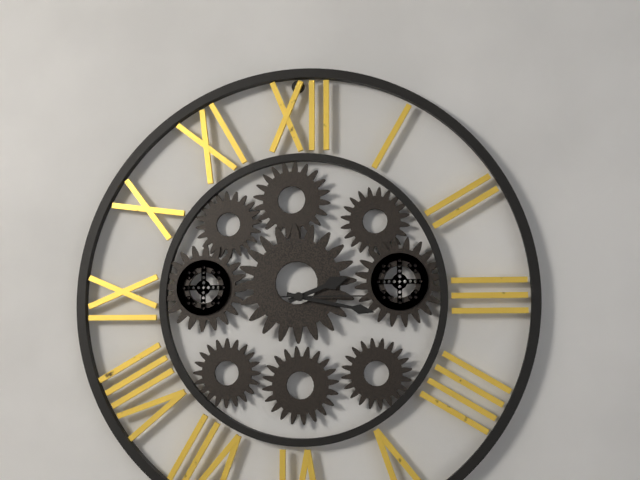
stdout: 2 h 17 min 15 s
